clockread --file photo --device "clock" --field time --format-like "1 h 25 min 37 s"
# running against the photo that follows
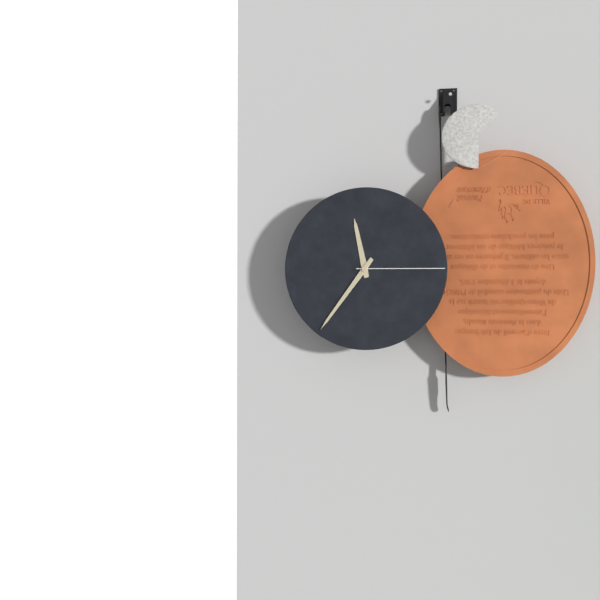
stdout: 11 h 36 min 15 s
